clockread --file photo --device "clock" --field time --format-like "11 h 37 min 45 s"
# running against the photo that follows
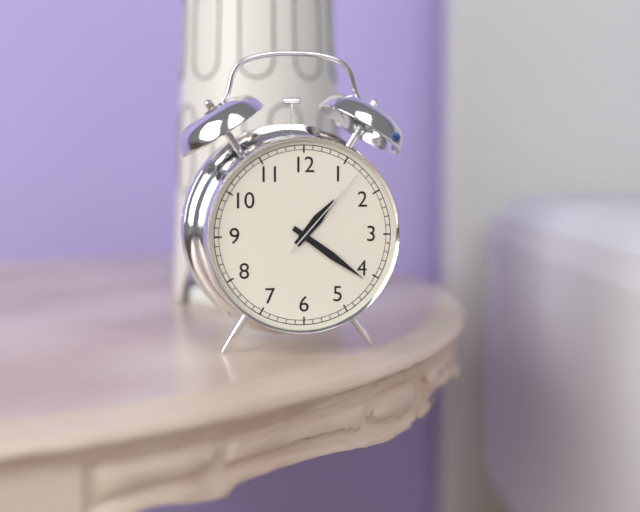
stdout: 1 h 21 min 07 s
